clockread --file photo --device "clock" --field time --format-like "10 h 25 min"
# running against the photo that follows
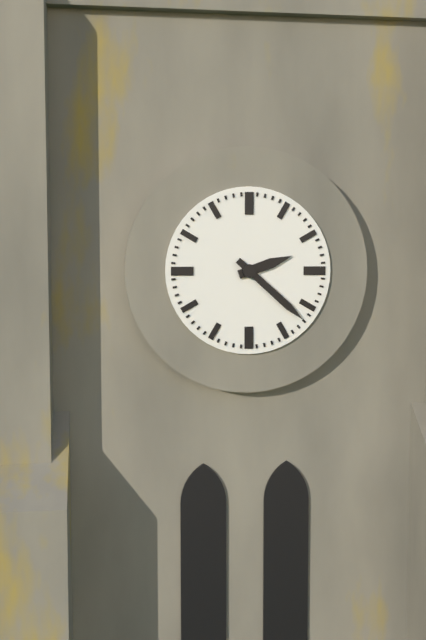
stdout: 2 h 22 min
